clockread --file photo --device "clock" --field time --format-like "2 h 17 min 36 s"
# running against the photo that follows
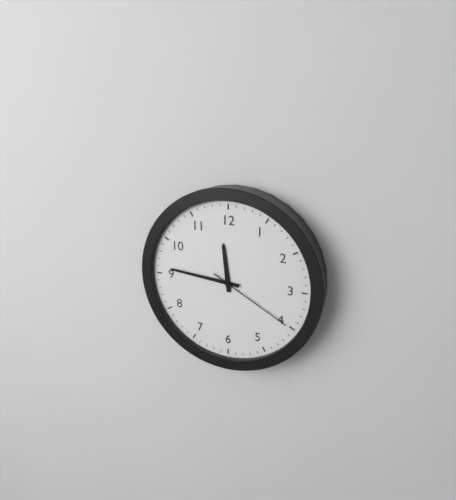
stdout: 11 h 46 min 20 s
